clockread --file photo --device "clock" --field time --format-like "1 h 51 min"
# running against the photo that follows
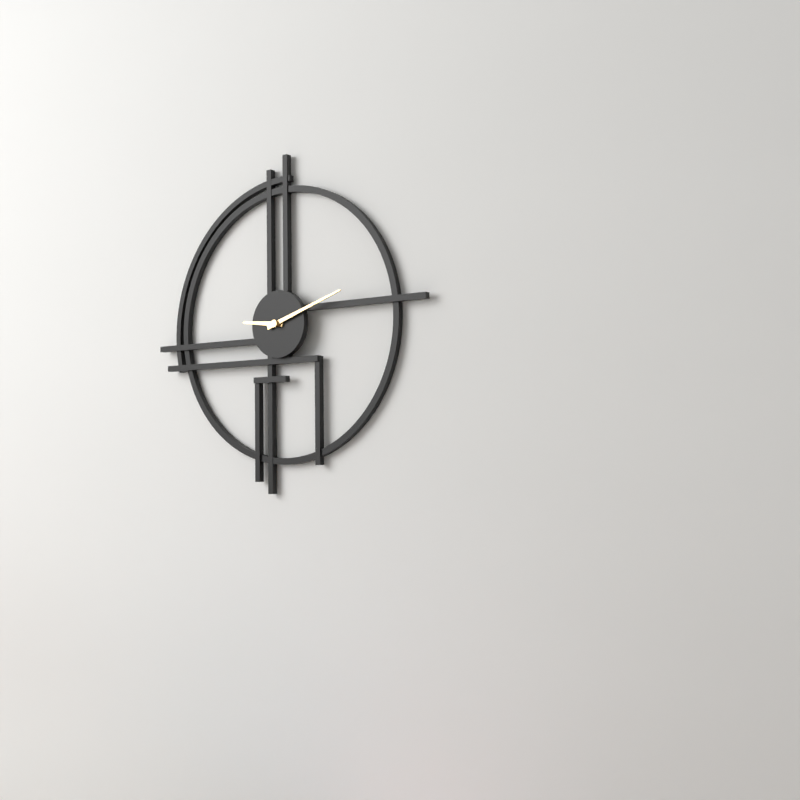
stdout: 9 h 12 min
